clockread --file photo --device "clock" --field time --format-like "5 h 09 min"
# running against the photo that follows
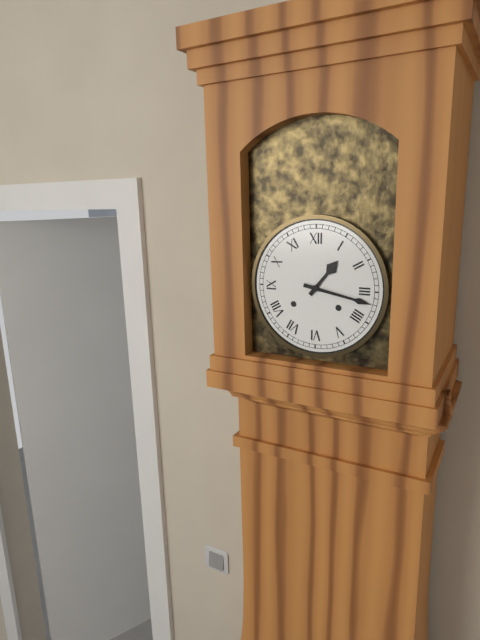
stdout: 1 h 17 min
